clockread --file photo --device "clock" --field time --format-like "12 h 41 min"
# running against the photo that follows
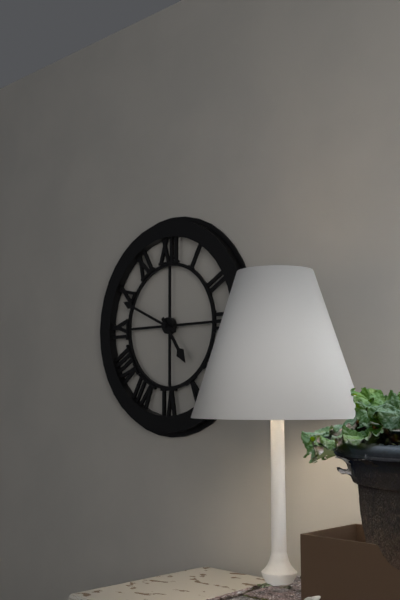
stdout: 4 h 49 min
